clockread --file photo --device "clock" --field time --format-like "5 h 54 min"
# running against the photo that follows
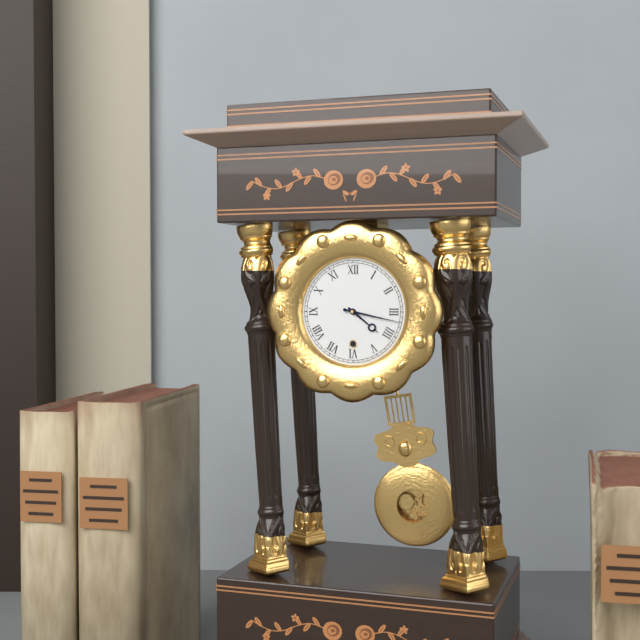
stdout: 4 h 17 min
